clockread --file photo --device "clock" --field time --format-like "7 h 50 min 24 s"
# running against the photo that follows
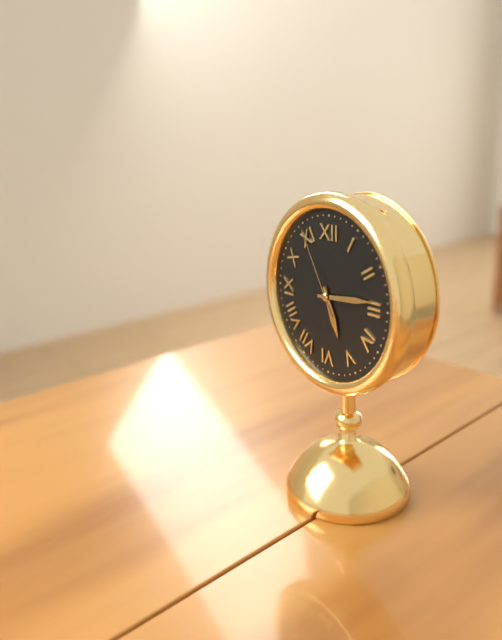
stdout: 5 h 14 min 55 s
